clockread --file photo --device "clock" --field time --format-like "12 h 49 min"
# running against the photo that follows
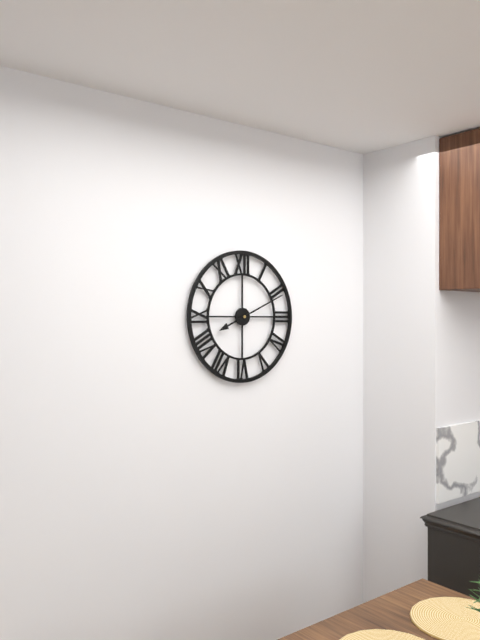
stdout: 8 h 11 min
